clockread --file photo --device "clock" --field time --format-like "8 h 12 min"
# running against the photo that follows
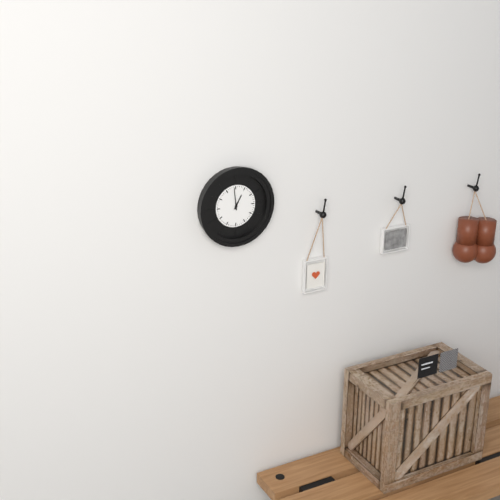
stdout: 12 h 59 min
